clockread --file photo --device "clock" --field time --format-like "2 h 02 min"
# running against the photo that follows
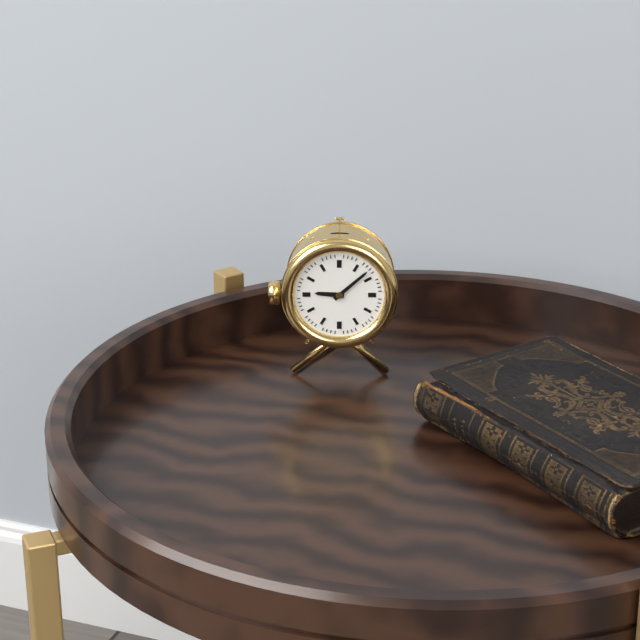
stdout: 9 h 08 min
